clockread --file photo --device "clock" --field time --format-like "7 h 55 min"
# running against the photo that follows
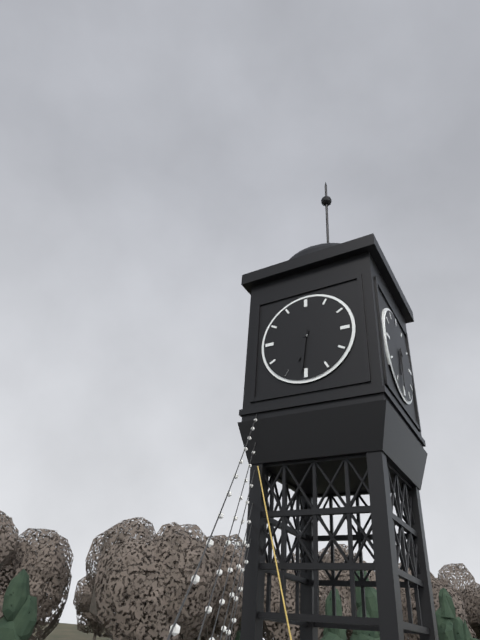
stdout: 6 h 31 min
